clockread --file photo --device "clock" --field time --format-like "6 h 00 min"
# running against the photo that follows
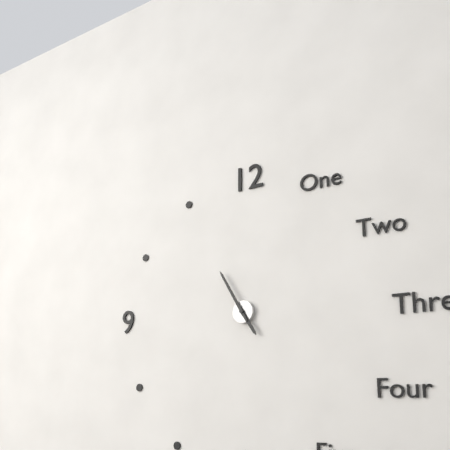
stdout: 4 h 55 min
